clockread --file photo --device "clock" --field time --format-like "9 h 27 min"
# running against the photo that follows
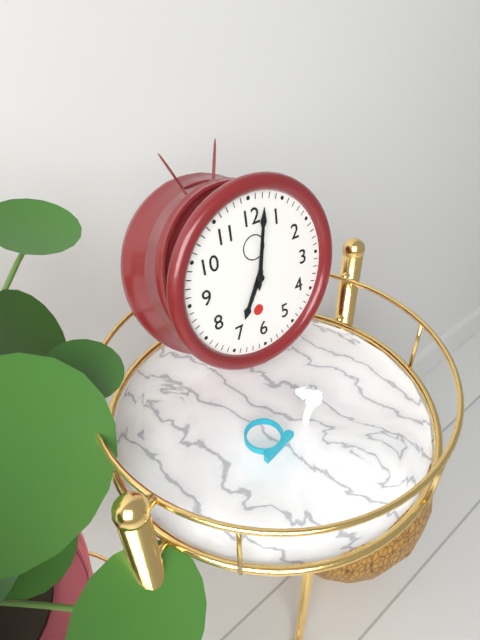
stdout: 7 h 02 min
